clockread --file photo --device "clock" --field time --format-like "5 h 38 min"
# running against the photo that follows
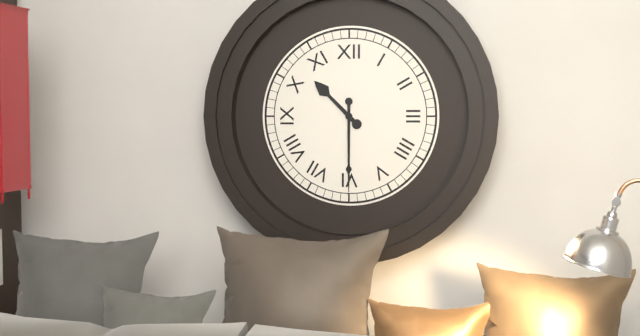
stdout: 10 h 30 min
